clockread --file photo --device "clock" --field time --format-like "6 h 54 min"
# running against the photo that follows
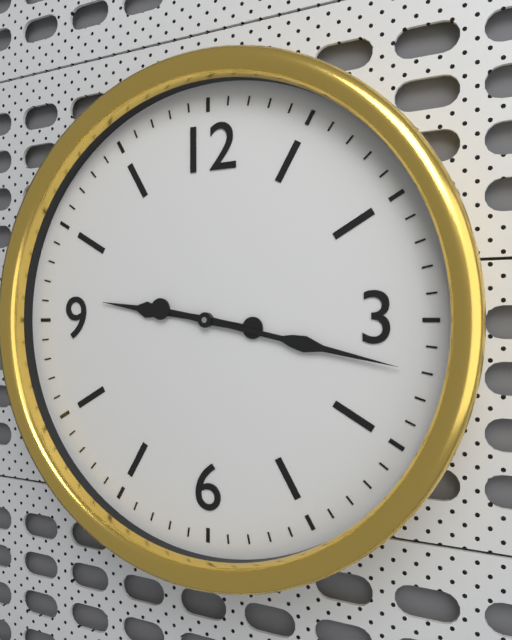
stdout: 9 h 17 min
